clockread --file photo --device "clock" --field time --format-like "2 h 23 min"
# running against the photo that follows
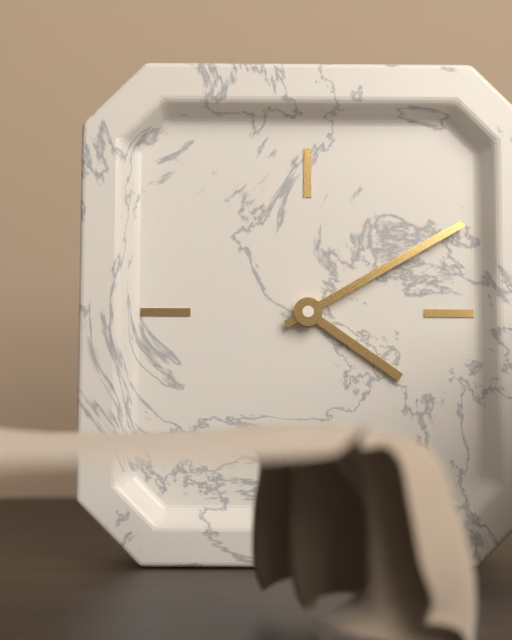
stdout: 4 h 10 min
